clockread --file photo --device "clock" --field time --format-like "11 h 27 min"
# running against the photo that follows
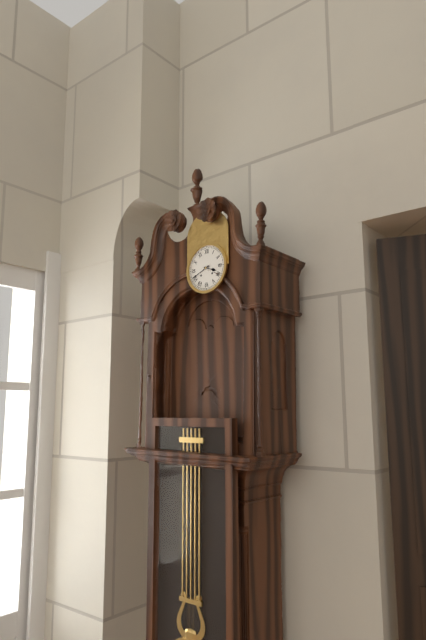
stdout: 3 h 41 min
